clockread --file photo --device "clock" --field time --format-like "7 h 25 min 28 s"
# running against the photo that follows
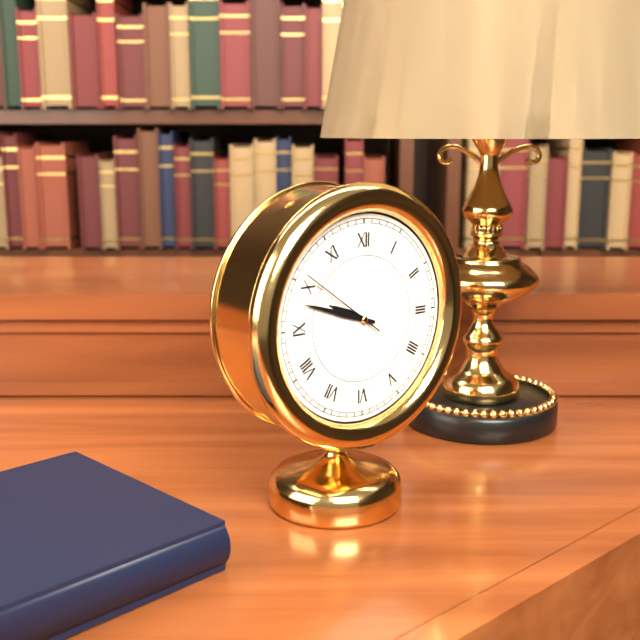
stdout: 9 h 48 min 51 s
